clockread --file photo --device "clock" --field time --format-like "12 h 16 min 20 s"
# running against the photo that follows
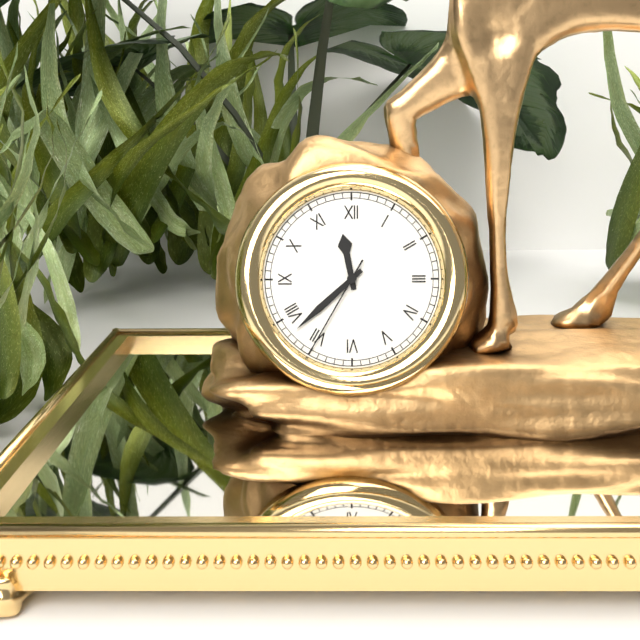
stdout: 11 h 38 min 35 s
